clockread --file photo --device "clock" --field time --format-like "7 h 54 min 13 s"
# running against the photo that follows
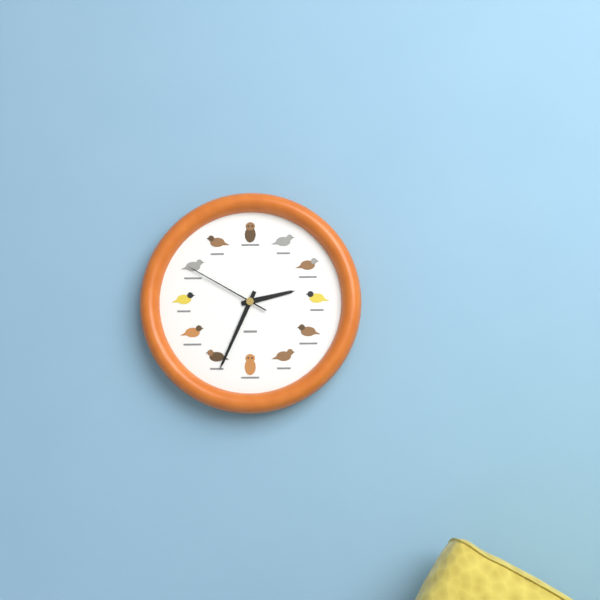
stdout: 2 h 34 min 50 s
